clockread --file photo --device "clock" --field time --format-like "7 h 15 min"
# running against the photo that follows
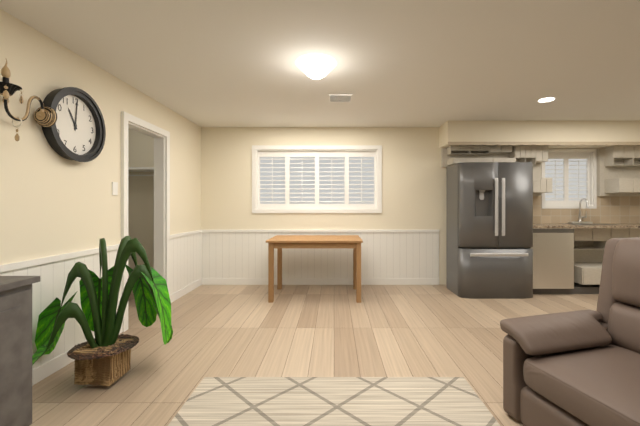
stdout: 11 h 01 min
